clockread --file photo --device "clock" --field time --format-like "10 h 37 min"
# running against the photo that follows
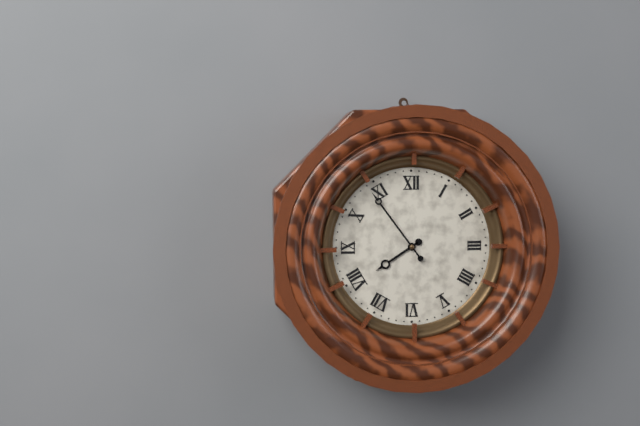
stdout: 7 h 54 min
